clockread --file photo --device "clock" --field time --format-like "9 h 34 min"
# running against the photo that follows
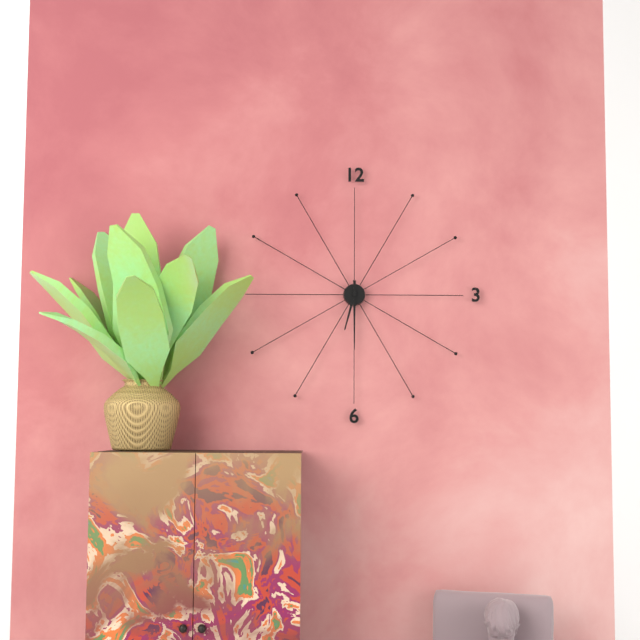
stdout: 6 h 30 min
